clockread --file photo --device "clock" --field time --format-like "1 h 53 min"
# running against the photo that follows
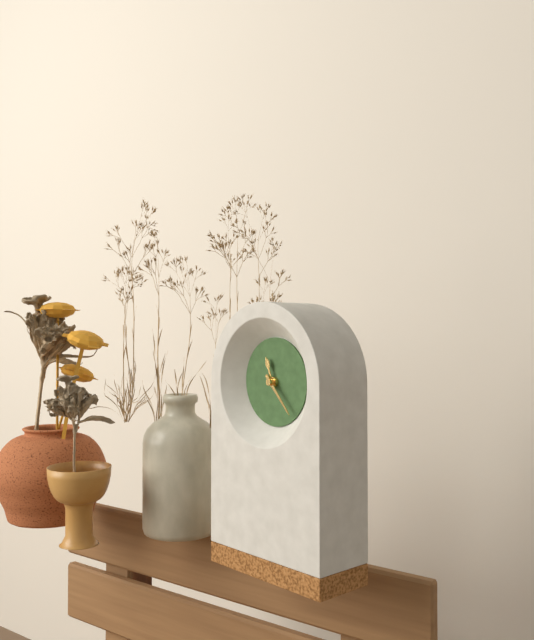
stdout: 11 h 23 min
